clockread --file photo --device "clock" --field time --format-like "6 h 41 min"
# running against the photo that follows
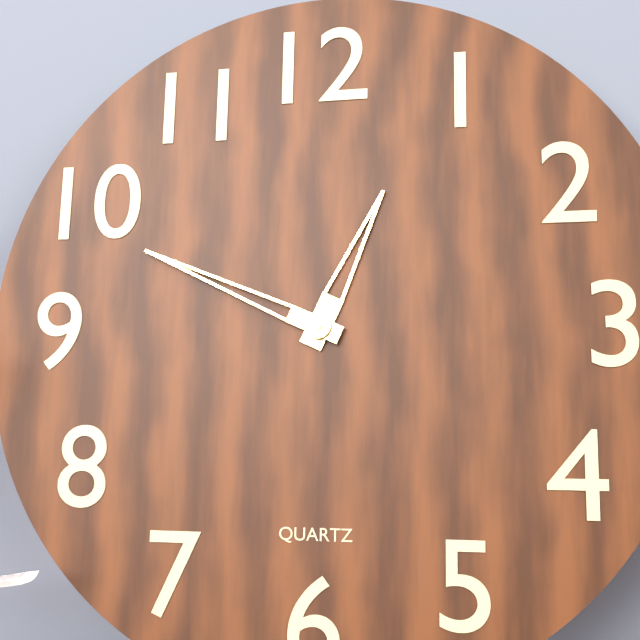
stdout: 12 h 49 min
